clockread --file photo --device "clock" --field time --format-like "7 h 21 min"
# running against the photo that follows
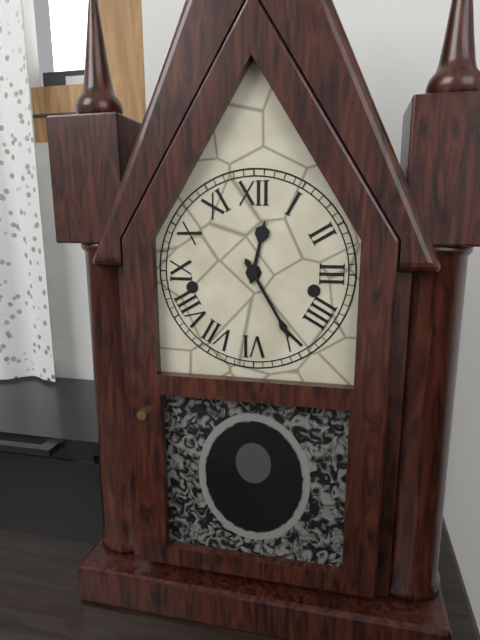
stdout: 12 h 25 min
